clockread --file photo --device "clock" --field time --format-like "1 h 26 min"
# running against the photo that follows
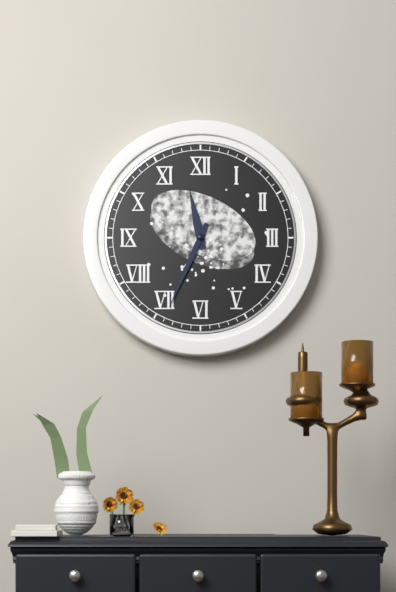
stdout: 11 h 34 min
